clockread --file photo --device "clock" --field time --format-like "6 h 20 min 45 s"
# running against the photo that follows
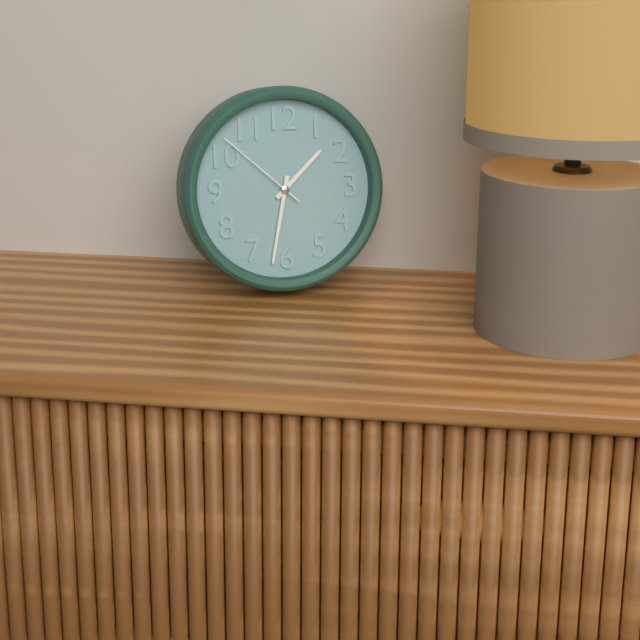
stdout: 1 h 32 min 52 s
